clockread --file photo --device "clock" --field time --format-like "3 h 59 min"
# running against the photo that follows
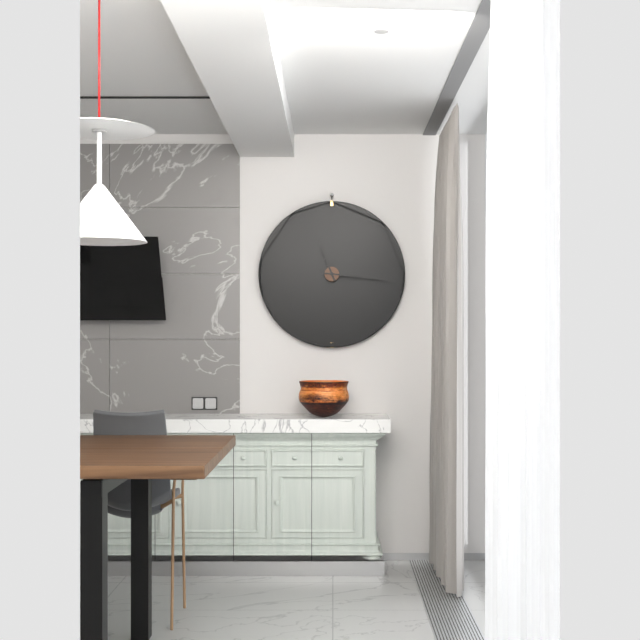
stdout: 11 h 16 min
